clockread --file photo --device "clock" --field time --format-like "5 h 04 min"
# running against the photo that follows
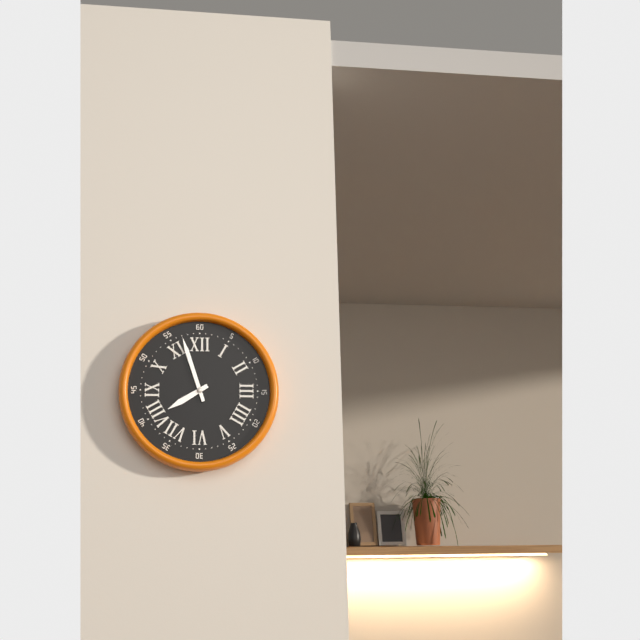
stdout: 7 h 57 min
